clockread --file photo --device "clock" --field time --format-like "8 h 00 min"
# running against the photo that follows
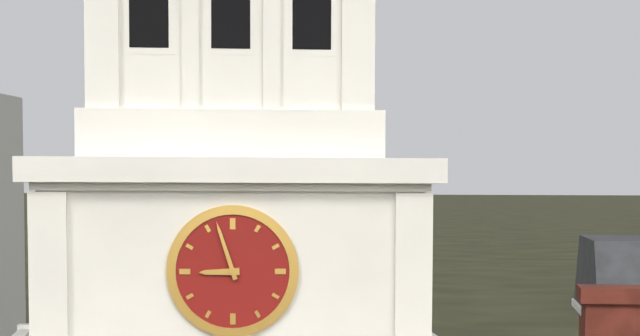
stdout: 8 h 57 min
